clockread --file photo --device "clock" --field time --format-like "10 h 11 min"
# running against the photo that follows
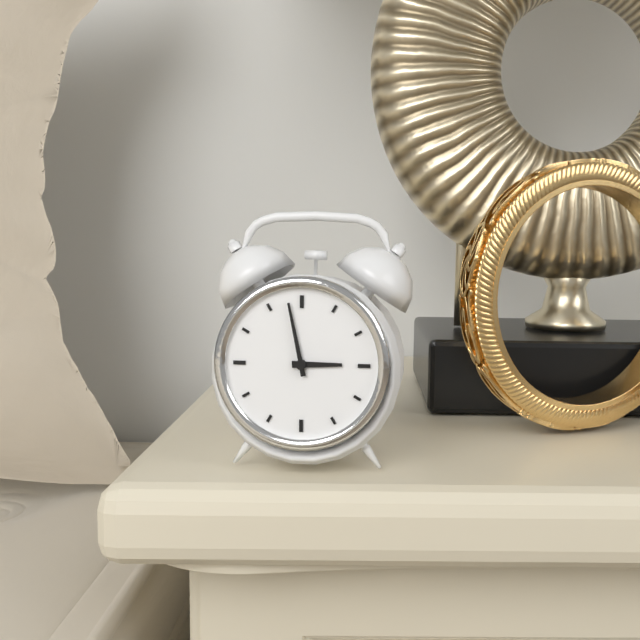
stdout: 2 h 58 min
